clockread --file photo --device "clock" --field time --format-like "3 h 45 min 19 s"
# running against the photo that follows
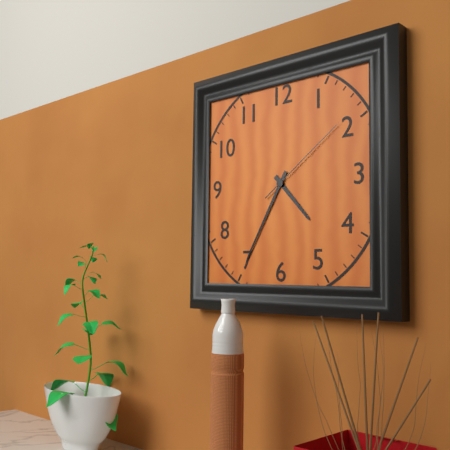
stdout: 4 h 35 min 09 s
